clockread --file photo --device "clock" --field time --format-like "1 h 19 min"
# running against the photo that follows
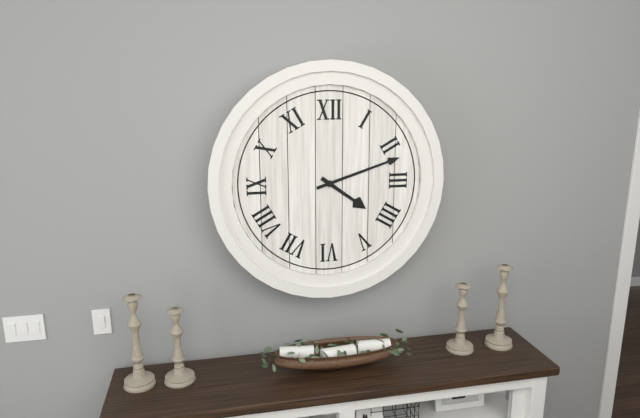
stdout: 4 h 12 min
